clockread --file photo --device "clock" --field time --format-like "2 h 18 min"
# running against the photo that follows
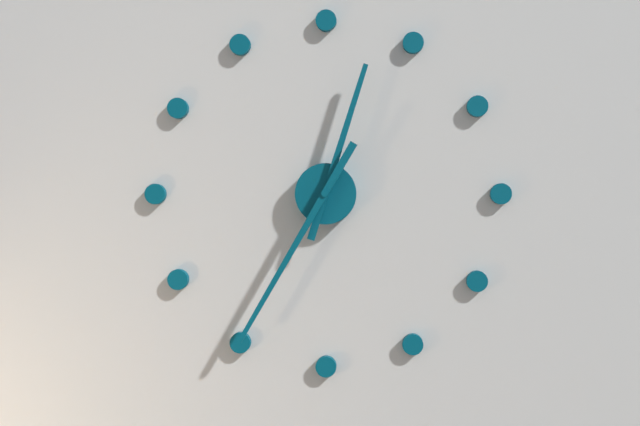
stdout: 12 h 35 min
